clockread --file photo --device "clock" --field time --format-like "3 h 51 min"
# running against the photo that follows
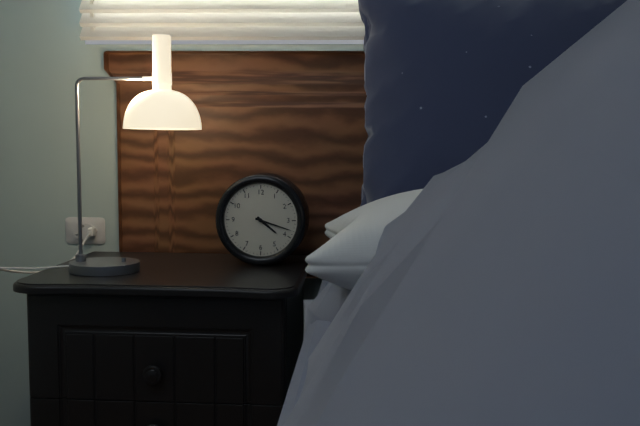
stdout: 4 h 18 min
